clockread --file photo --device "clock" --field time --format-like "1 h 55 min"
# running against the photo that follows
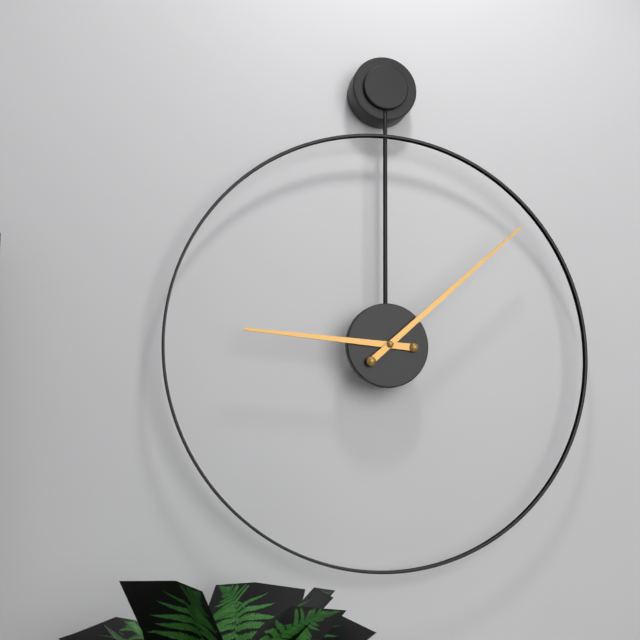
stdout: 9 h 08 min
